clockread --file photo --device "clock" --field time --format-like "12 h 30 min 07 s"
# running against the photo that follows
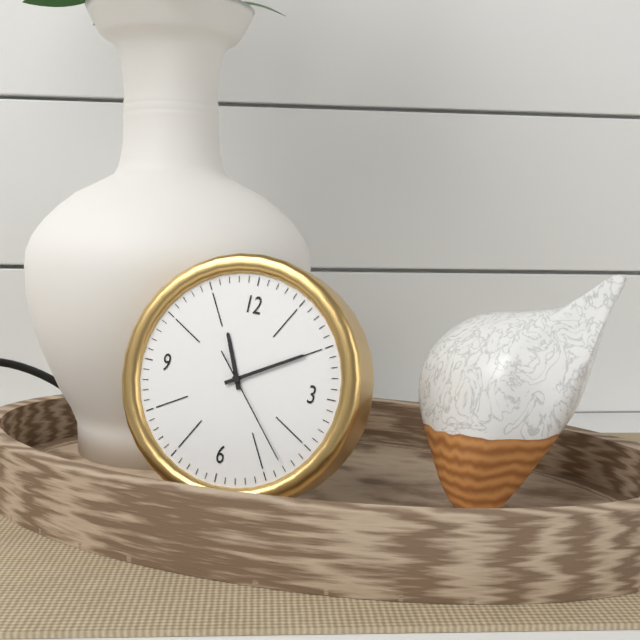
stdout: 11 h 10 min 23 s
